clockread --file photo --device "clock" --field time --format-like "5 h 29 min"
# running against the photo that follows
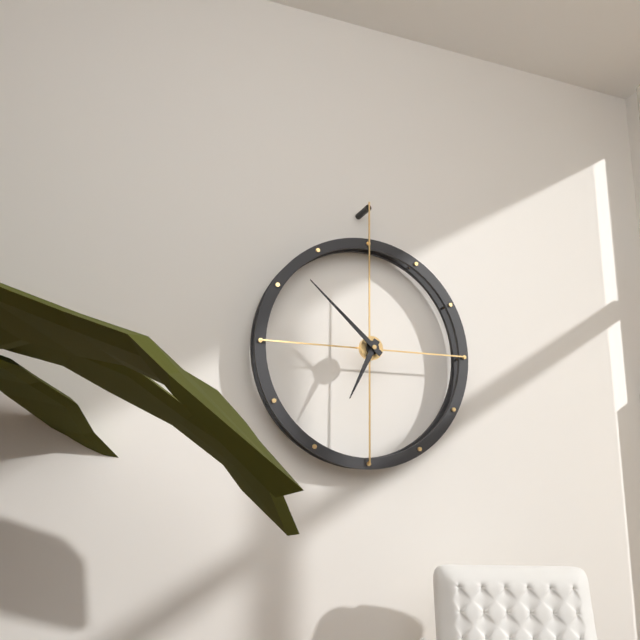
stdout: 6 h 52 min
